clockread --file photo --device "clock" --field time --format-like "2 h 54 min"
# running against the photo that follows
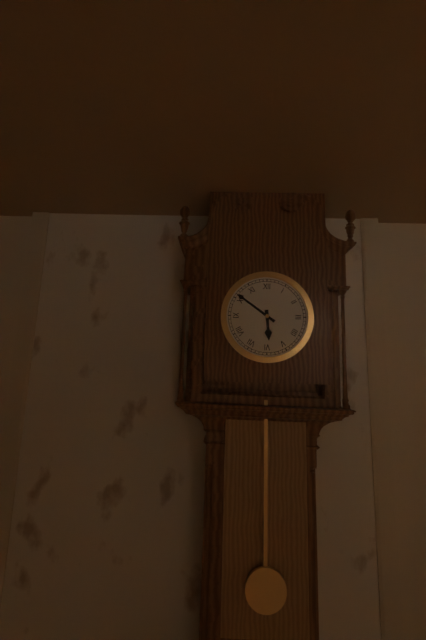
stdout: 5 h 51 min
